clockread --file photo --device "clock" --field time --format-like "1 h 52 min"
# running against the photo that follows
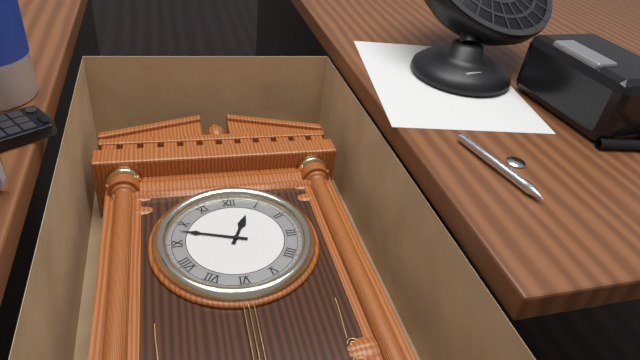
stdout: 12 h 48 min
